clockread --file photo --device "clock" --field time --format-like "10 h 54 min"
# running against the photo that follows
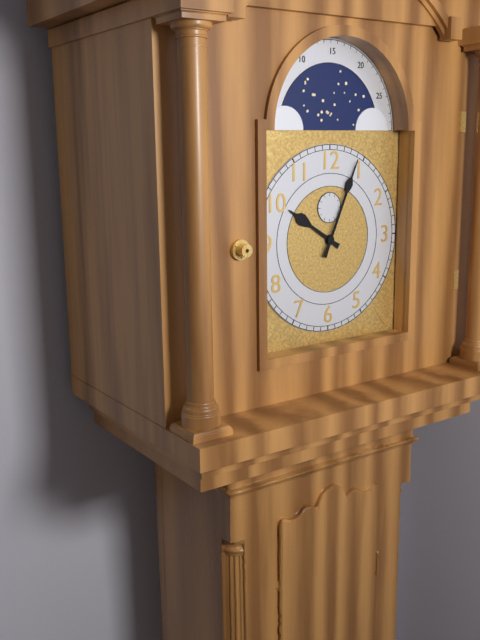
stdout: 10 h 04 min
